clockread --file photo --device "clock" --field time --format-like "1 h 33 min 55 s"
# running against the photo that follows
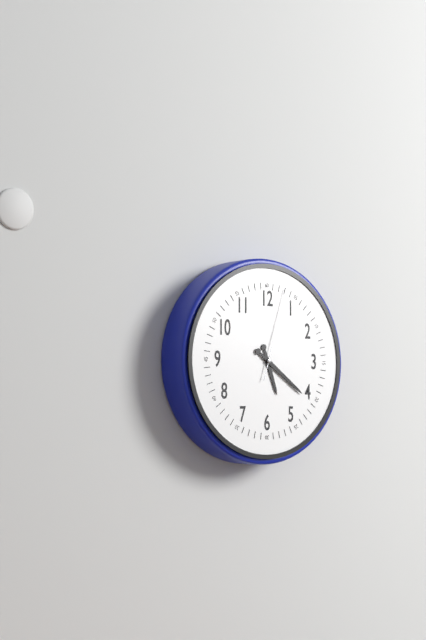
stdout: 5 h 21 min 03 s
